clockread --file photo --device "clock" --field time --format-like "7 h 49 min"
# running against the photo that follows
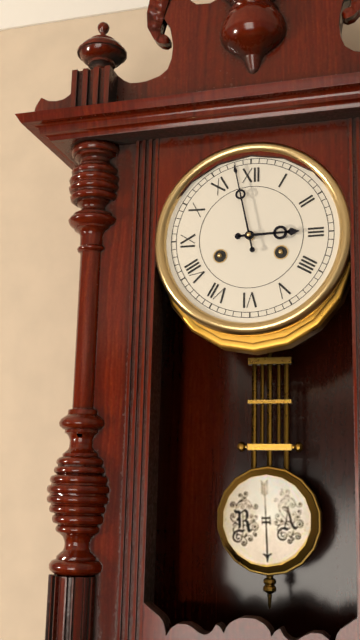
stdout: 2 h 58 min
